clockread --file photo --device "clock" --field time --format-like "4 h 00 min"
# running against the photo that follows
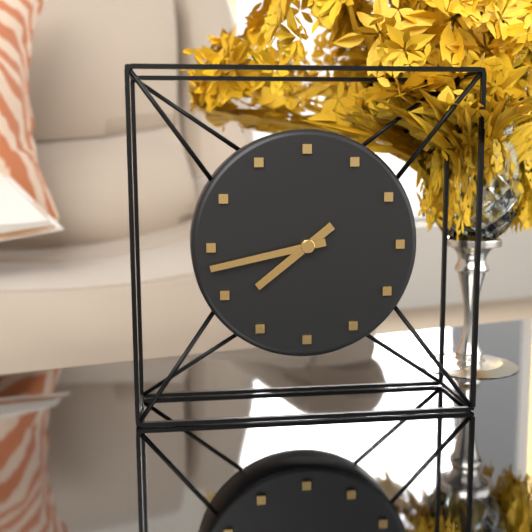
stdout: 7 h 43 min
